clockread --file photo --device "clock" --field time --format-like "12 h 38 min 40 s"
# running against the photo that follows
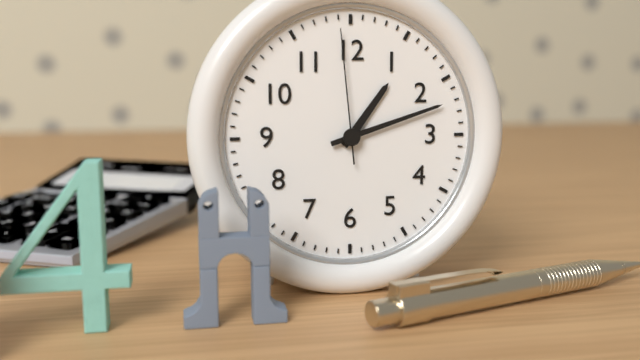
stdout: 1 h 12 min 59 s
